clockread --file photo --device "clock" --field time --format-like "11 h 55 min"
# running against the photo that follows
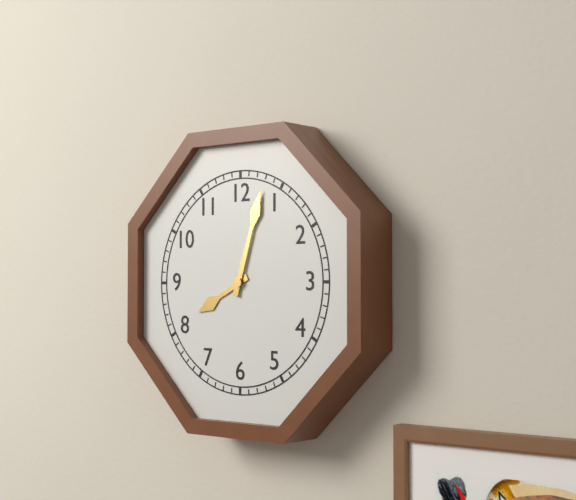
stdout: 8 h 03 min
